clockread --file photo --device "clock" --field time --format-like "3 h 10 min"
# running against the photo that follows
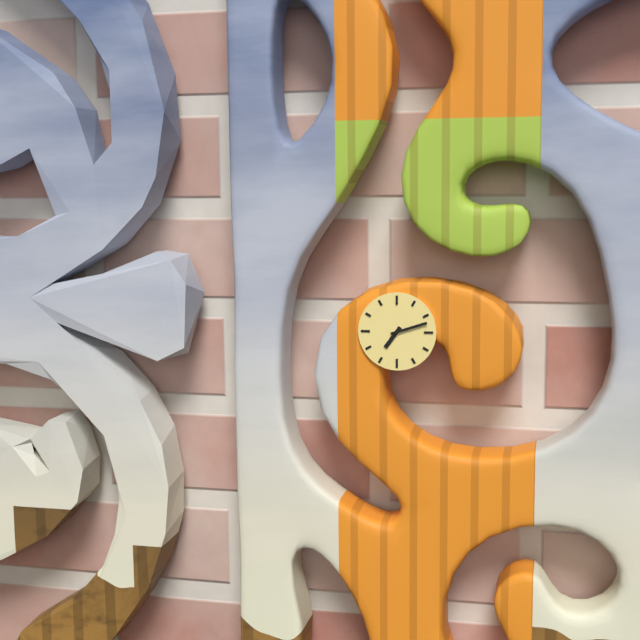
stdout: 7 h 12 min
